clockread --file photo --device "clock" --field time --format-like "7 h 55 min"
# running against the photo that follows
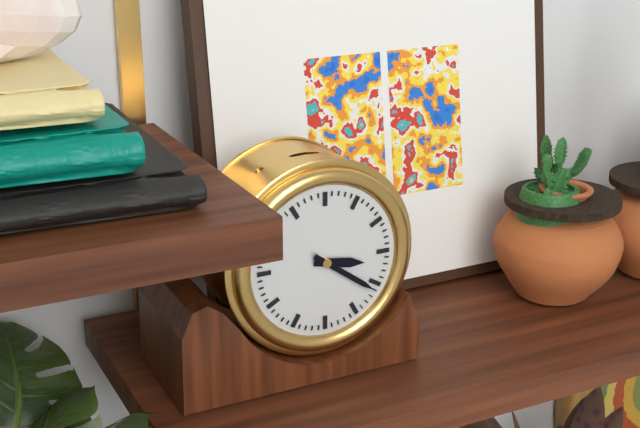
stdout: 3 h 21 min
